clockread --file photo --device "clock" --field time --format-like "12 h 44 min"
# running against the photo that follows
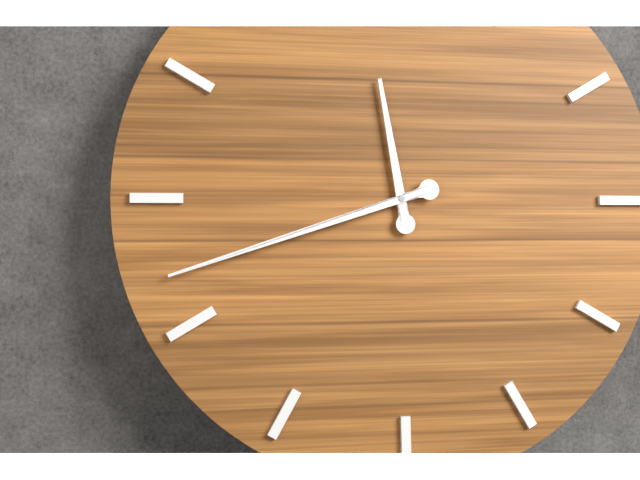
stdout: 11 h 42 min
